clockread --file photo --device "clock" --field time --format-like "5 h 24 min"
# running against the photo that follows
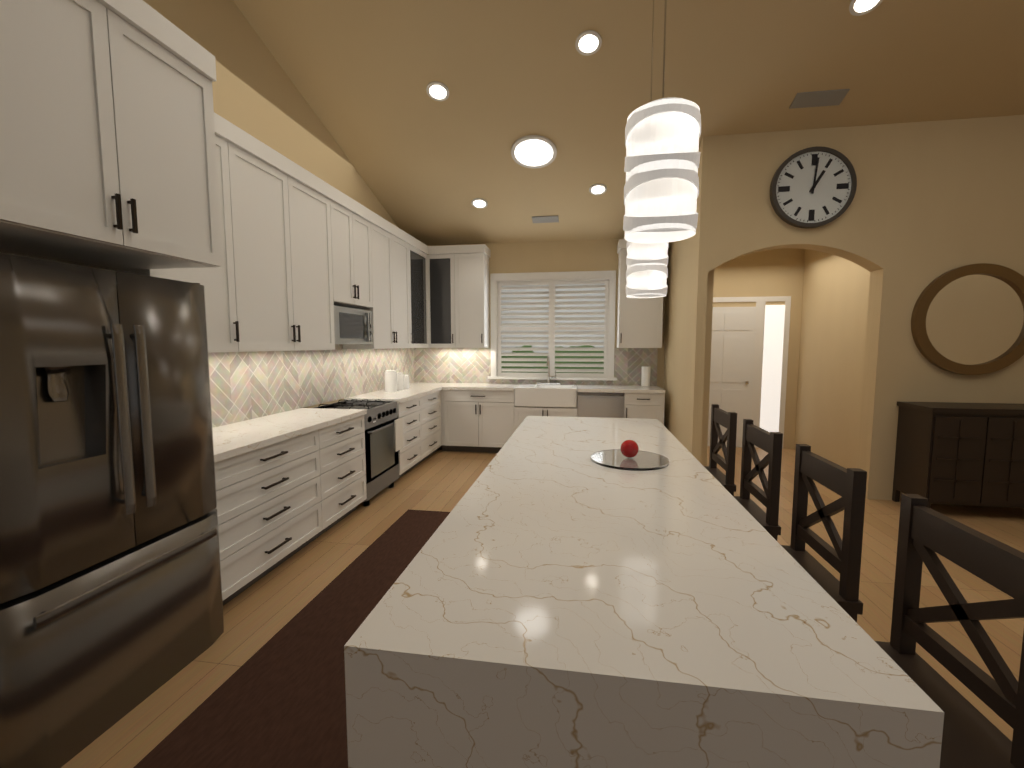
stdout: 1 h 01 min
